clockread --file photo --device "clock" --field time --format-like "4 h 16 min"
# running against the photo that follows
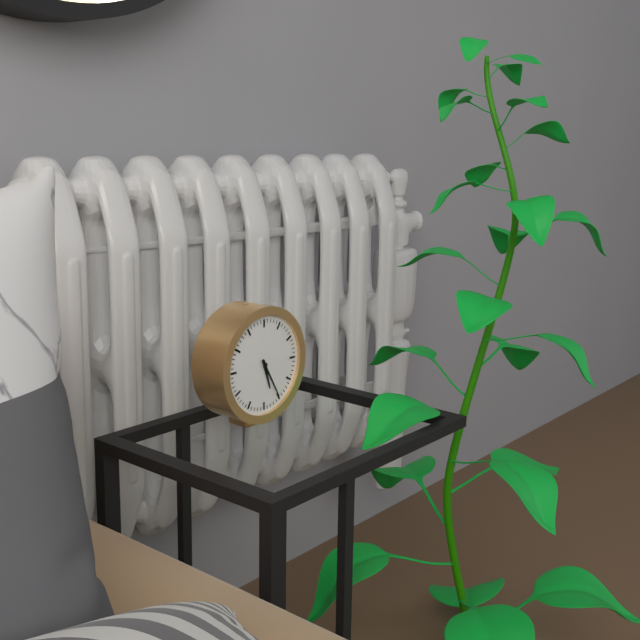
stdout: 5 h 25 min
